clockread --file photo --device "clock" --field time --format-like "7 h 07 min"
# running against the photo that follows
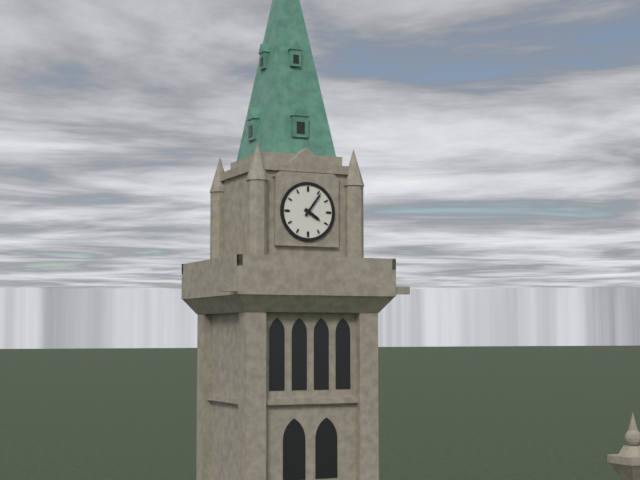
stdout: 4 h 06 min
